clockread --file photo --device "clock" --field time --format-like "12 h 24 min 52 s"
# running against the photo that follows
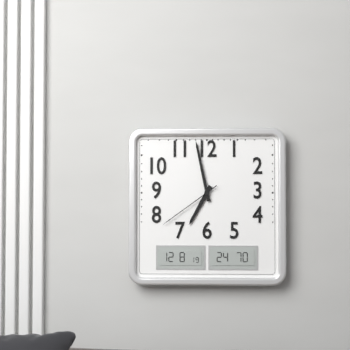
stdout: 6 h 58 min 39 s
